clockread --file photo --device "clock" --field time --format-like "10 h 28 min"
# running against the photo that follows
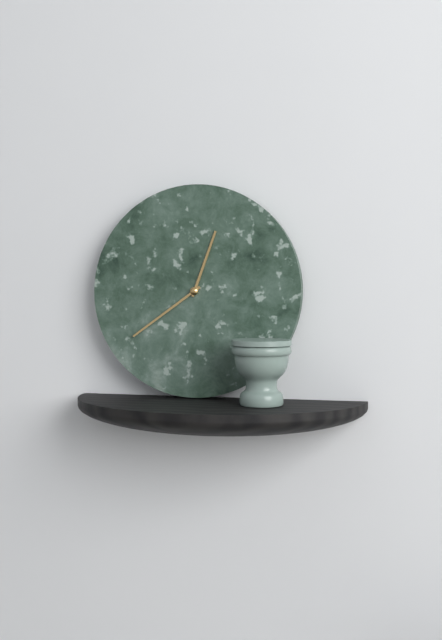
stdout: 12 h 39 min
